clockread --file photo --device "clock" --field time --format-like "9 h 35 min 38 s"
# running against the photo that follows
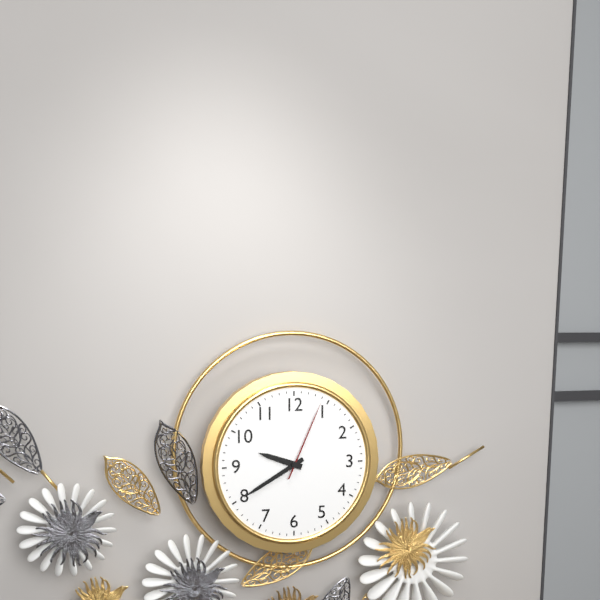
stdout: 9 h 40 min 04 s
